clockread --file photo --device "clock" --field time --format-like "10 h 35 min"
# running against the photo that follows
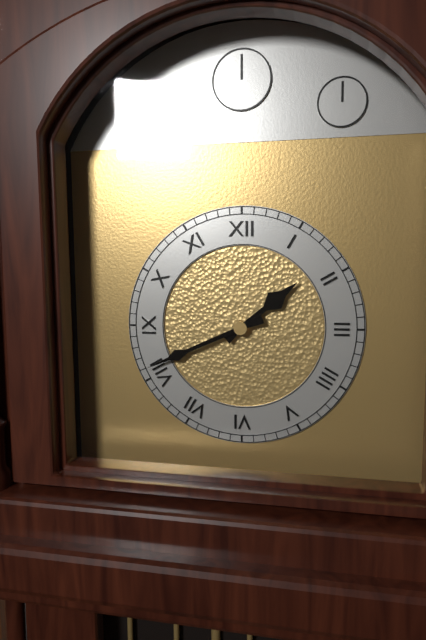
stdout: 1 h 41 min
